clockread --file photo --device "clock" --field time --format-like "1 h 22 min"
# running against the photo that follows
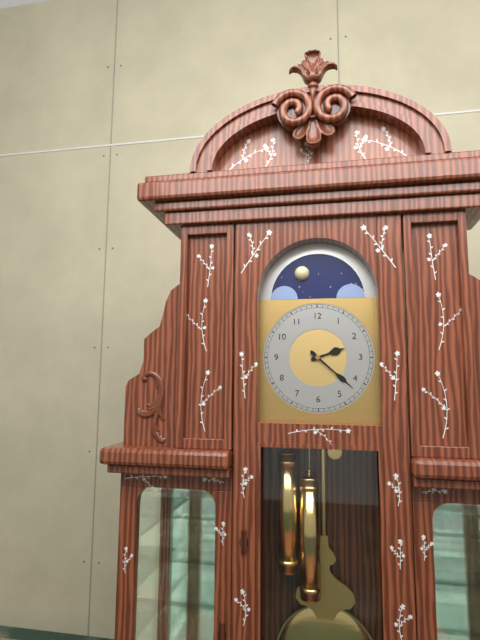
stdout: 2 h 22 min
